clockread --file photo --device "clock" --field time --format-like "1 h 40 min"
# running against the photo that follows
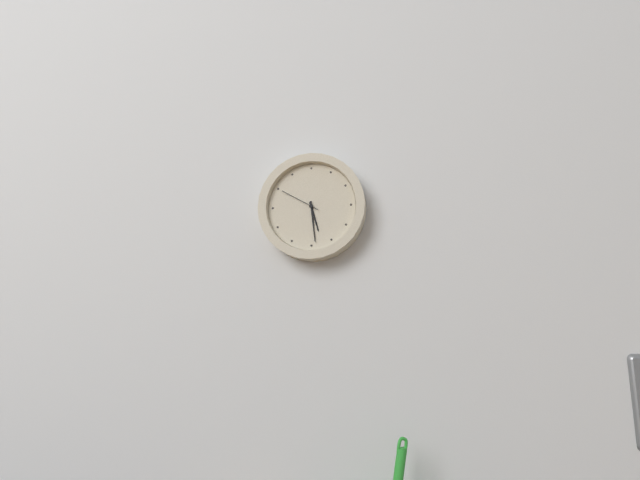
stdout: 5 h 29 min
